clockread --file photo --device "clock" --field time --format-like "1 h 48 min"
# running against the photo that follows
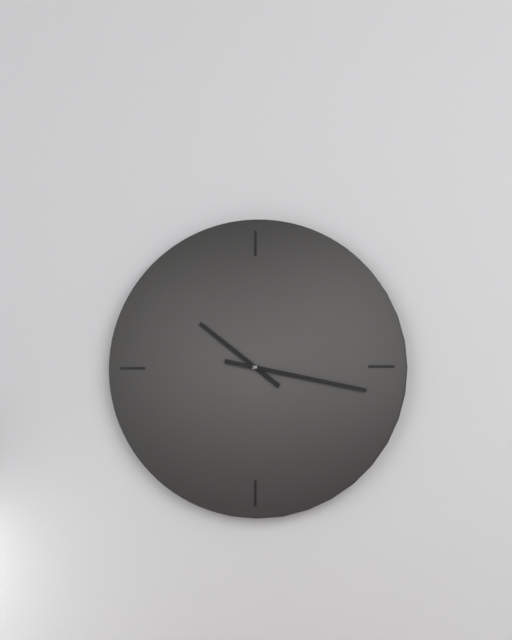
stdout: 10 h 17 min
